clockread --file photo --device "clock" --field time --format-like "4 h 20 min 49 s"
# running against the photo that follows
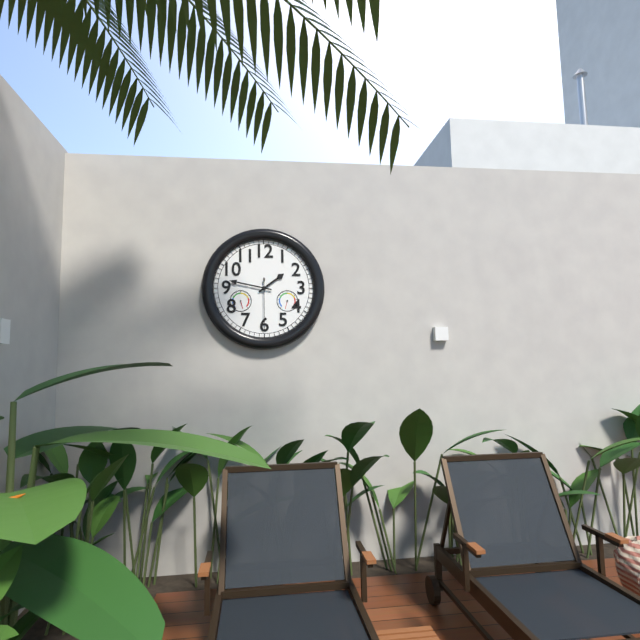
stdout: 1 h 47 min 30 s
